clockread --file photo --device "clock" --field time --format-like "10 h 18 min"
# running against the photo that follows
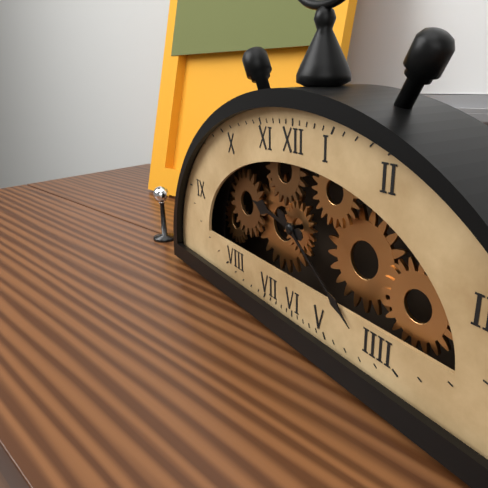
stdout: 9 h 21 min
